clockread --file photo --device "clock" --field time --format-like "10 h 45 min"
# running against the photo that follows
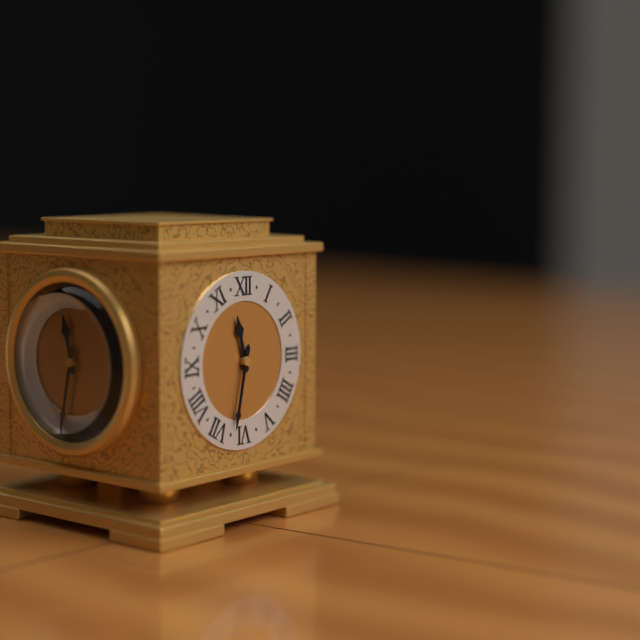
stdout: 11 h 32 min
